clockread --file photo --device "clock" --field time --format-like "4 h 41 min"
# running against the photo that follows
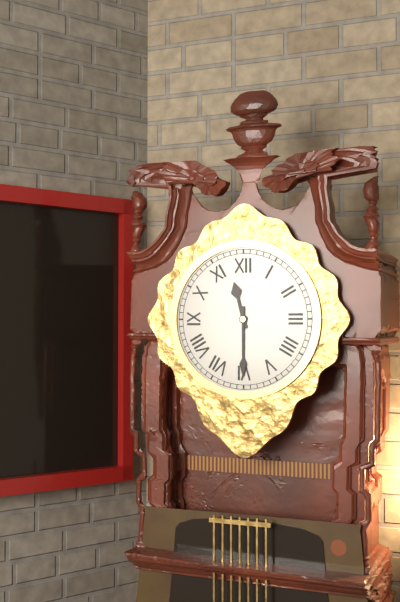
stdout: 11 h 30 min
